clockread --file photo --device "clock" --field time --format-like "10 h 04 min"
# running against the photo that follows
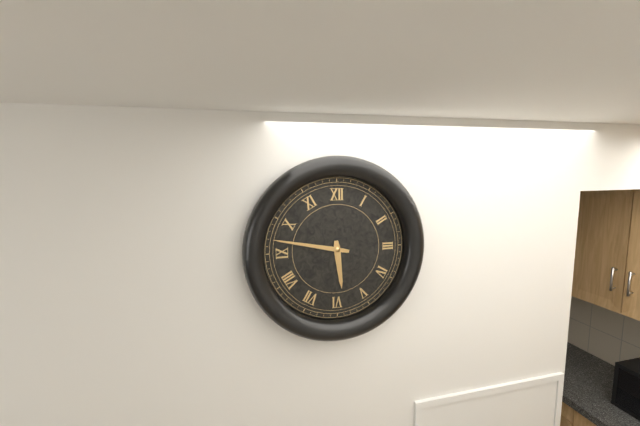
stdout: 5 h 47 min
